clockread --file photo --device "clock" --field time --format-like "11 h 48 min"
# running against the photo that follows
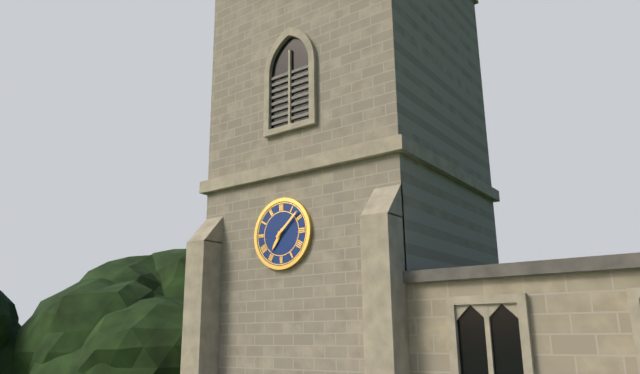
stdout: 7 h 08 min
